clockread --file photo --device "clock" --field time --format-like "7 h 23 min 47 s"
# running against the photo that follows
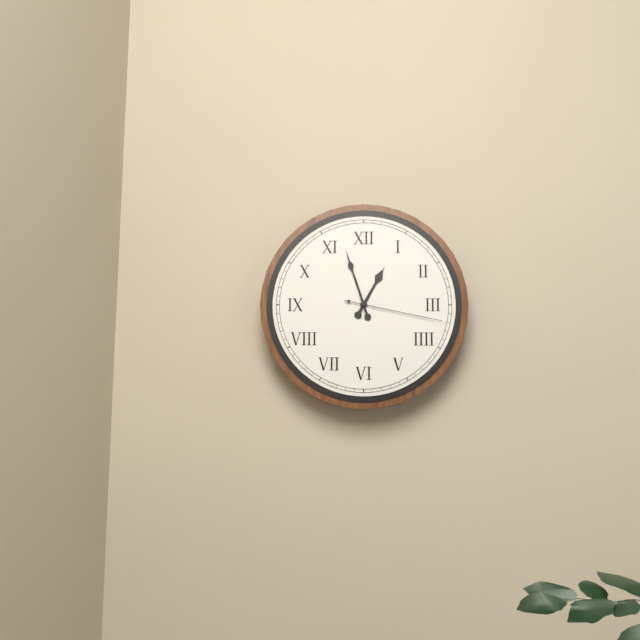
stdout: 12 h 57 min 17 s
